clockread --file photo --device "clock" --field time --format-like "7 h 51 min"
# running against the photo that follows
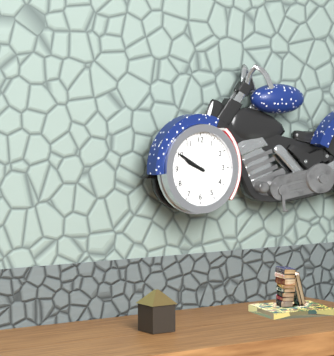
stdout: 9 h 50 min
